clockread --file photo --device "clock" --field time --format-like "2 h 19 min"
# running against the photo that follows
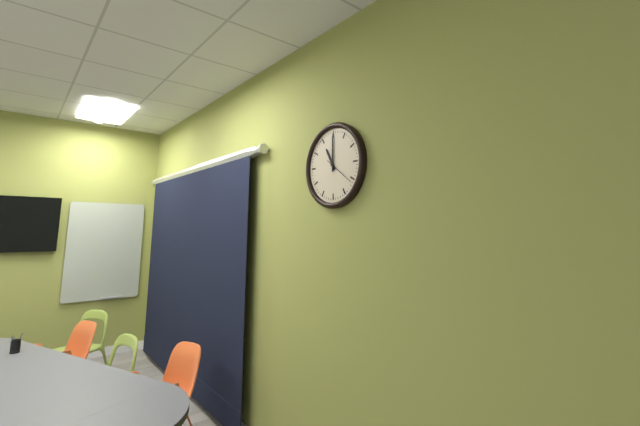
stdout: 11 h 00 min
